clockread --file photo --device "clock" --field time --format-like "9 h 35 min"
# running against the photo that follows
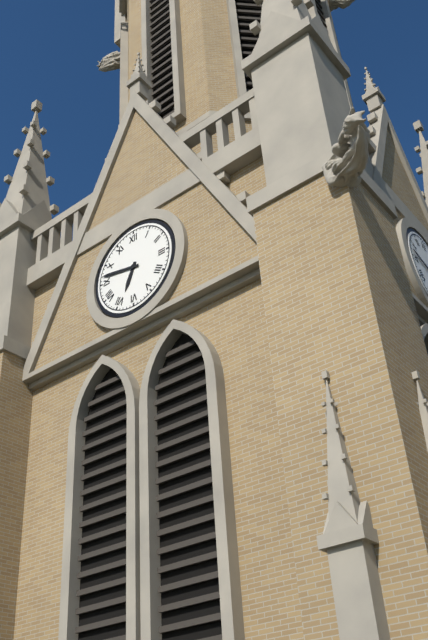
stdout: 6 h 47 min
